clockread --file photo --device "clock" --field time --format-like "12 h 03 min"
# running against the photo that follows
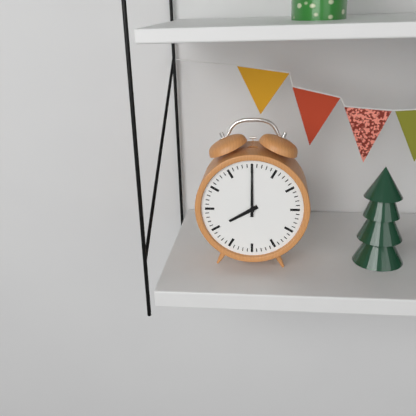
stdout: 8 h 00 min
